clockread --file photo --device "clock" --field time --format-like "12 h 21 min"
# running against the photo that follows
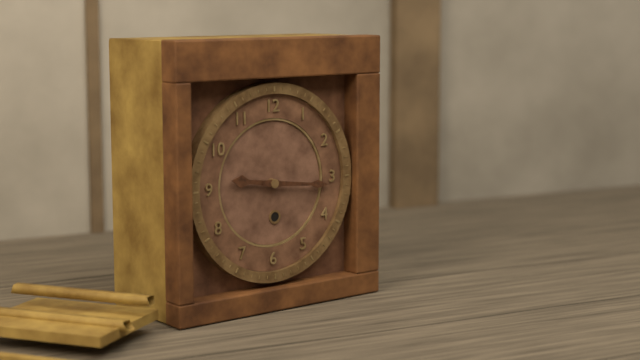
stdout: 9 h 16 min
